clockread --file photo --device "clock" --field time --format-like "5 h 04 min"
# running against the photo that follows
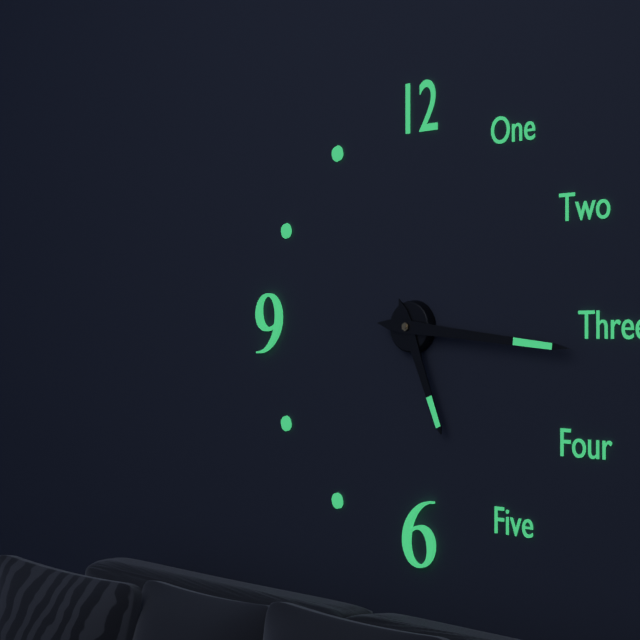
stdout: 5 h 16 min
